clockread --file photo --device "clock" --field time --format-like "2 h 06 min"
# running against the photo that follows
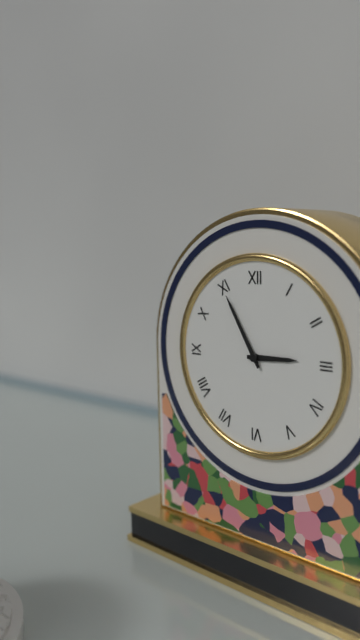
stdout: 2 h 55 min
